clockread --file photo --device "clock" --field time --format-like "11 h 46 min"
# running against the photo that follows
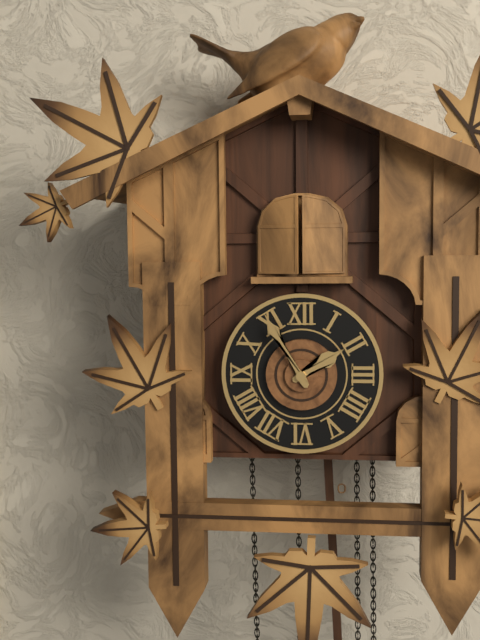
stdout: 1 h 55 min
